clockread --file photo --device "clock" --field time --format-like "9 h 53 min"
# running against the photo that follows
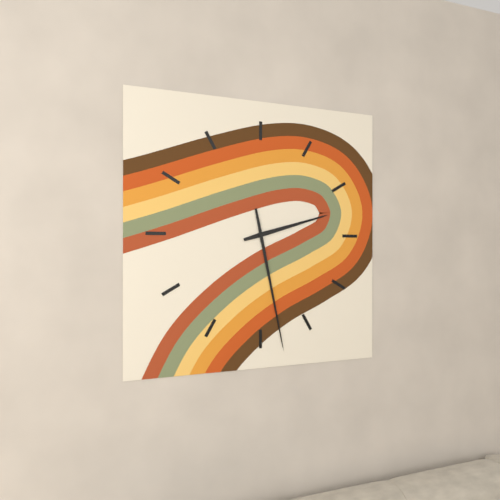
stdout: 2 h 28 min
